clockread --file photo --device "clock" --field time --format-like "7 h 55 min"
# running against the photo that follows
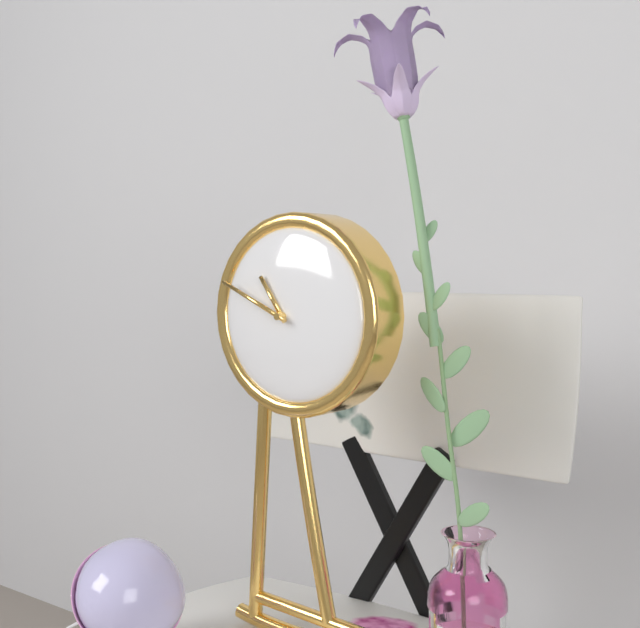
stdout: 10 h 49 min
